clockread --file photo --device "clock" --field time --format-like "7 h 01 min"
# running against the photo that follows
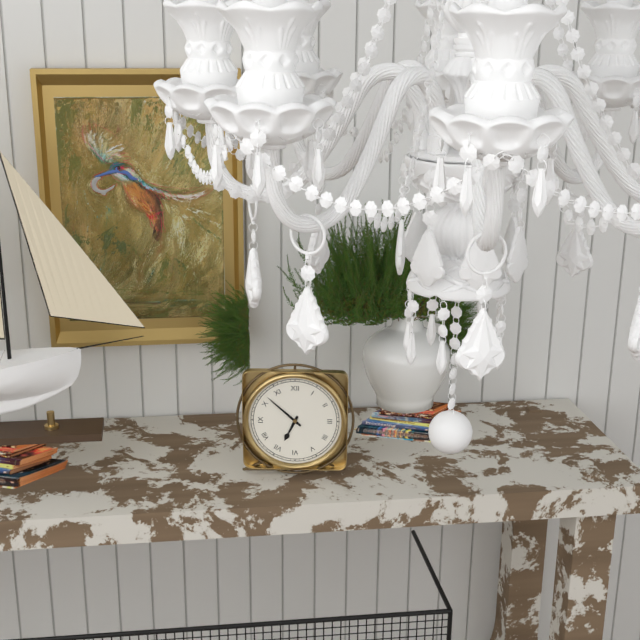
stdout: 6 h 52 min
